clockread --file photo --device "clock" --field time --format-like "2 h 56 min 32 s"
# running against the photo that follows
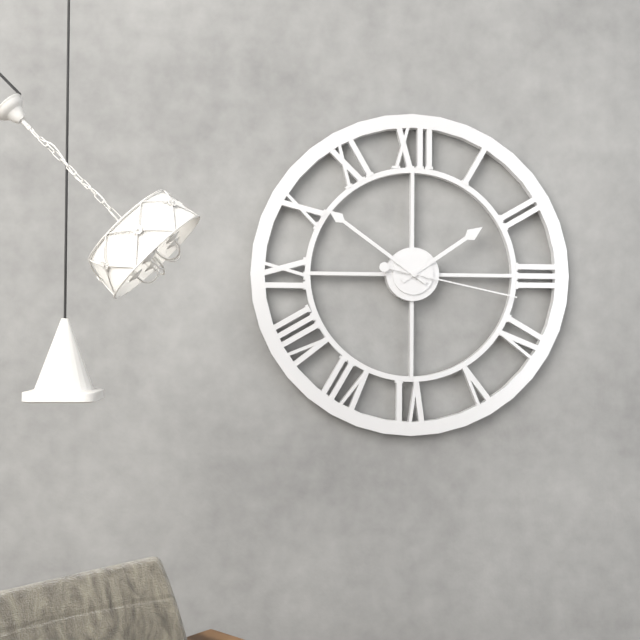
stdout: 1 h 51 min 17 s
